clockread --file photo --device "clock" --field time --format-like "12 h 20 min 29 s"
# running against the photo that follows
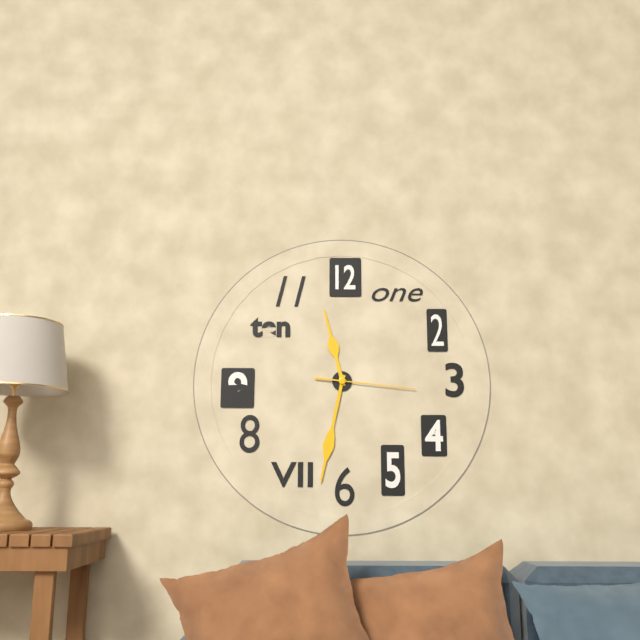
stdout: 11 h 32 min 16 s
